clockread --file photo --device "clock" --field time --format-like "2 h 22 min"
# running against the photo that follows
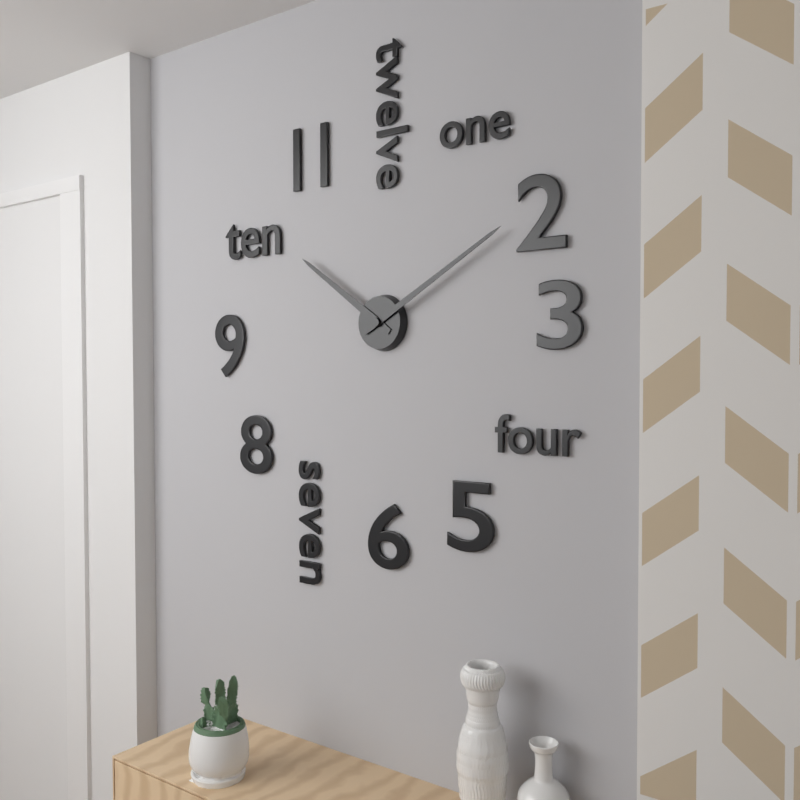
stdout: 10 h 10 min
